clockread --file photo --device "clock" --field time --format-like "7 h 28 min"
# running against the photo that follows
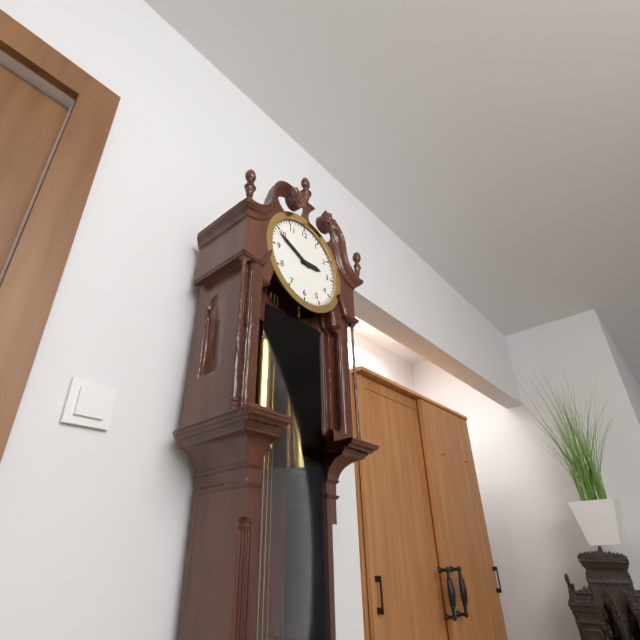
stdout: 2 h 49 min
